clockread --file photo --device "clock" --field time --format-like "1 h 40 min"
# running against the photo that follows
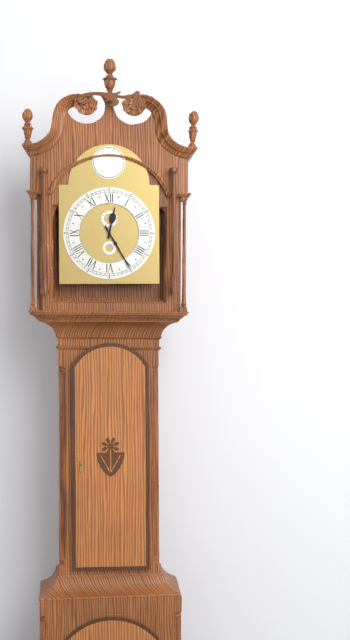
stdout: 12 h 25 min
